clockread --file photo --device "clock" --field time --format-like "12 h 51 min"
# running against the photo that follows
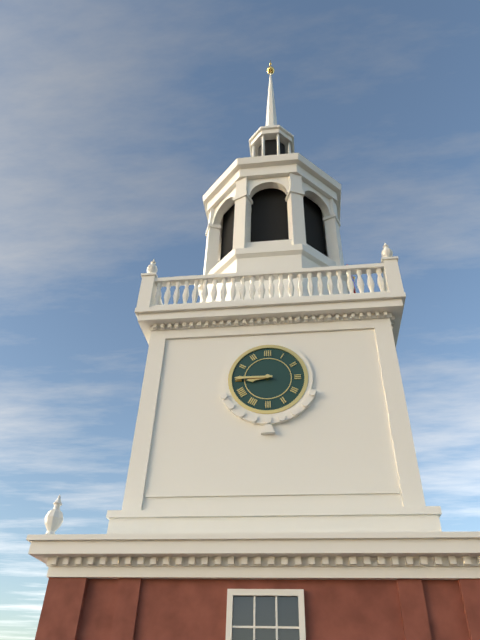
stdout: 8 h 45 min
